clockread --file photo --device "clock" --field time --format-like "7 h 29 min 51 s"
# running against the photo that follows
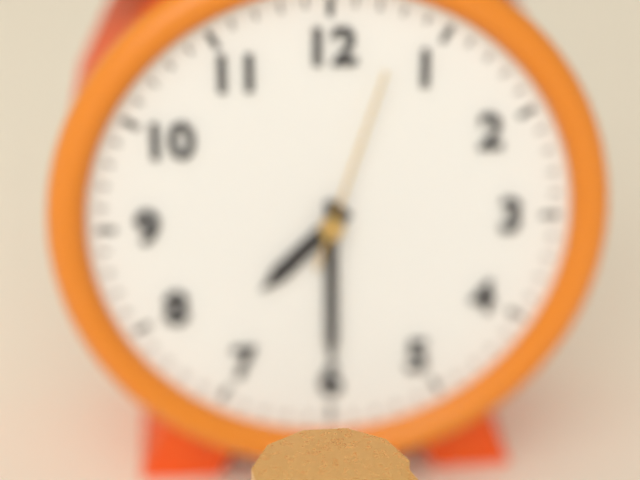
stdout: 7 h 30 min 03 s
